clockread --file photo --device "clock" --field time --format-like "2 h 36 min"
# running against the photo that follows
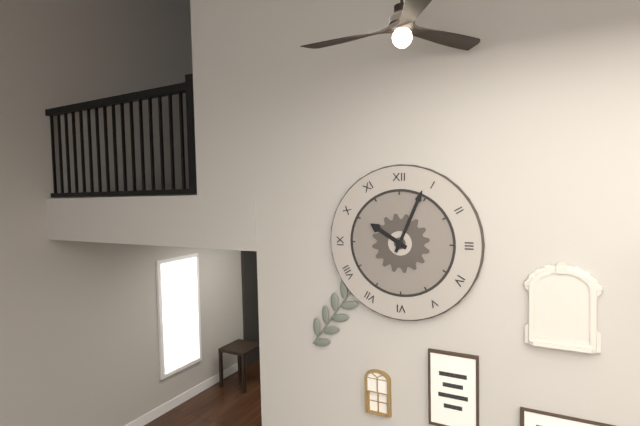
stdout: 10 h 04 min
